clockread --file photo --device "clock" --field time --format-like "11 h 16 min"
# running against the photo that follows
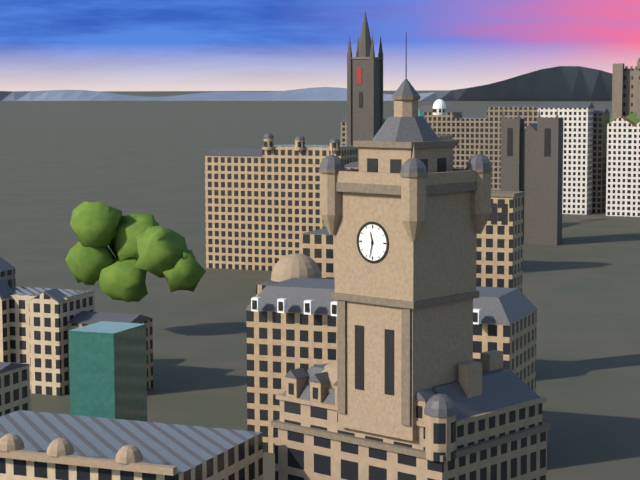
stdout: 11 h 32 min
